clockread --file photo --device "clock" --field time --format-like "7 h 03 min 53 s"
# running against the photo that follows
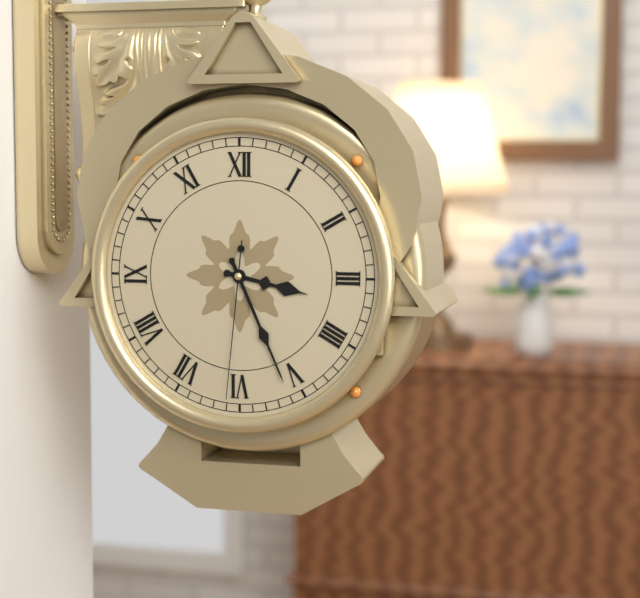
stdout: 3 h 26 min 31 s
